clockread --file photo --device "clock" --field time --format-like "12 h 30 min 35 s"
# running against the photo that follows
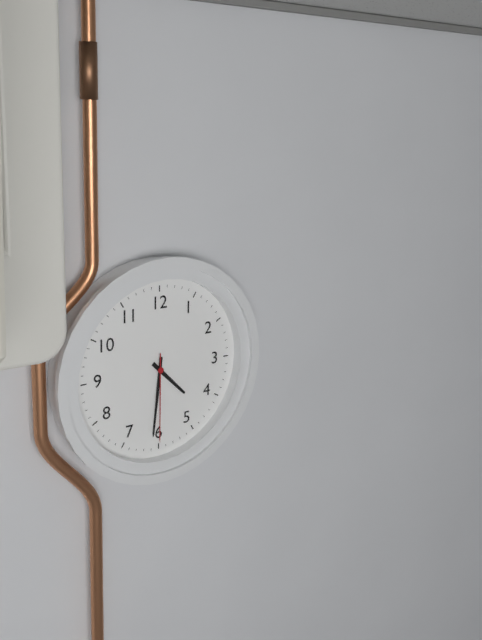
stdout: 4 h 31 min 30 s
